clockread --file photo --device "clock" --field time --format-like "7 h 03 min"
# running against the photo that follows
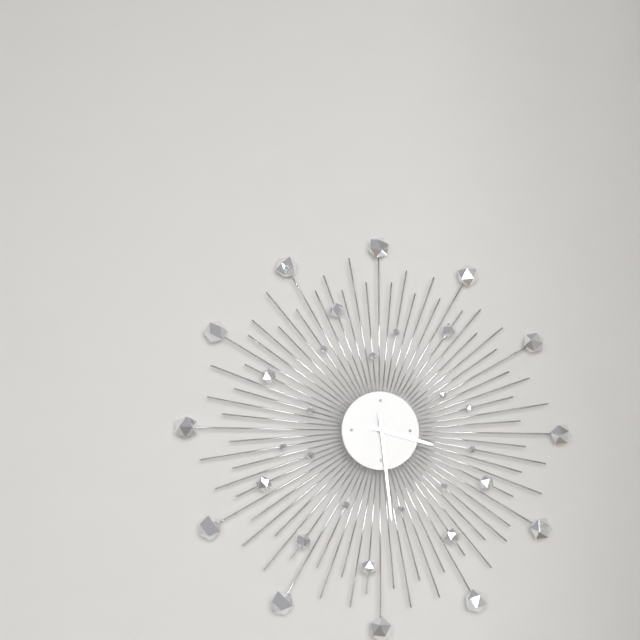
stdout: 3 h 29 min
